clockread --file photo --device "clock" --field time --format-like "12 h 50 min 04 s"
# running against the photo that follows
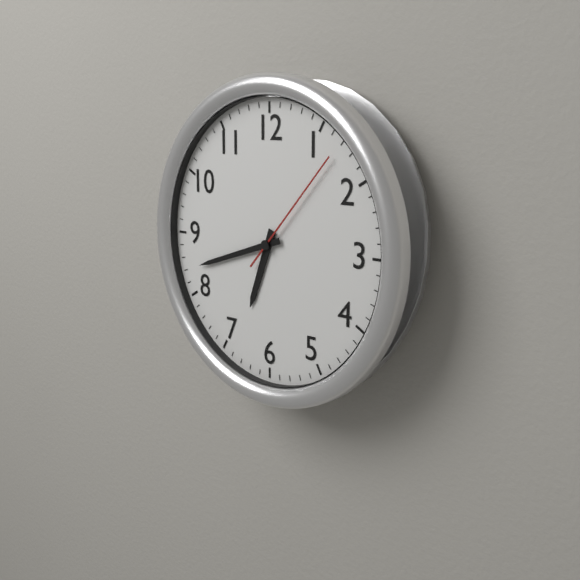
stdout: 6 h 42 min 07 s
